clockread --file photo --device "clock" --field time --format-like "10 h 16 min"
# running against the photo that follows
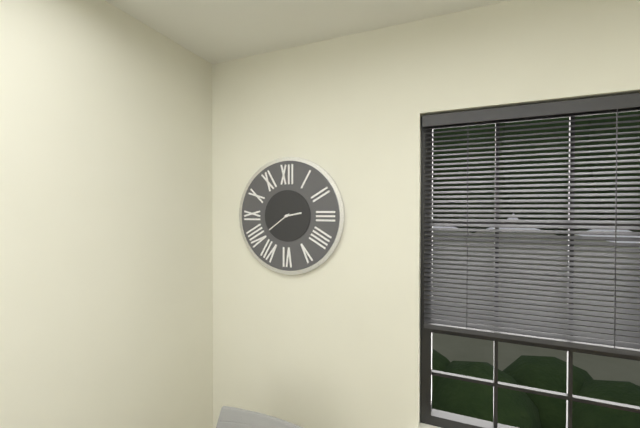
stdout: 2 h 39 min
